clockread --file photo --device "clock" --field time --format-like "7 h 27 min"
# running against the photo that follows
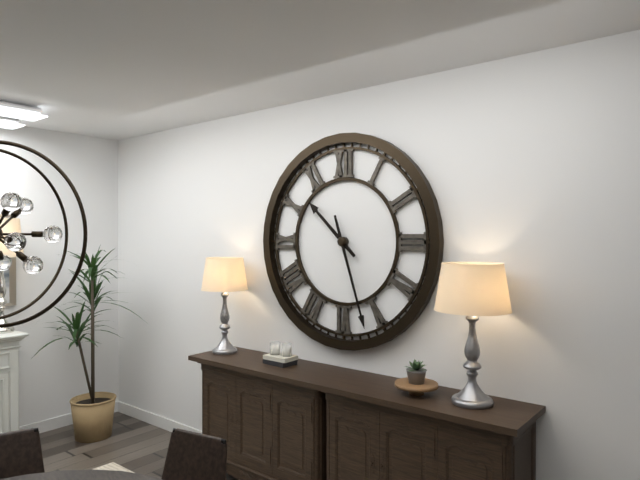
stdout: 10 h 27 min
